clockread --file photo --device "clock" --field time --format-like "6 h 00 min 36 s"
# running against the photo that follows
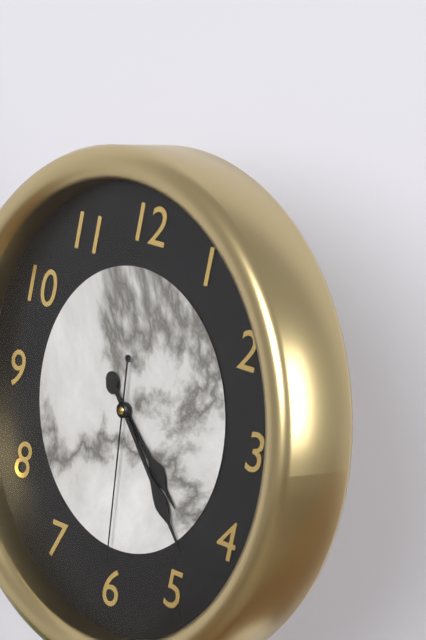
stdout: 4 h 23 min 30 s
